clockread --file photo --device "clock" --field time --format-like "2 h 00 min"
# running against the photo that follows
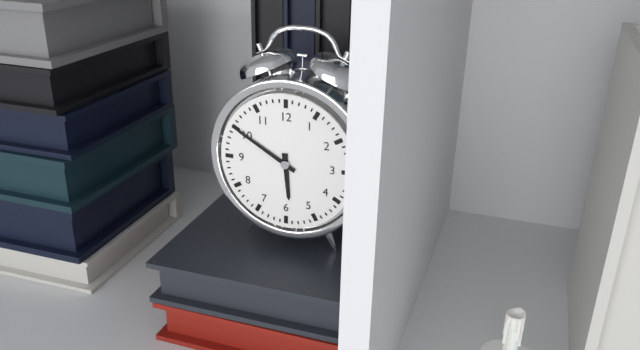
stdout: 5 h 50 min
